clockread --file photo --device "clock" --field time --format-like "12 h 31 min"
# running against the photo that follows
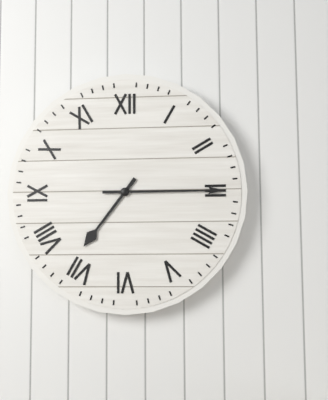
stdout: 7 h 15 min
